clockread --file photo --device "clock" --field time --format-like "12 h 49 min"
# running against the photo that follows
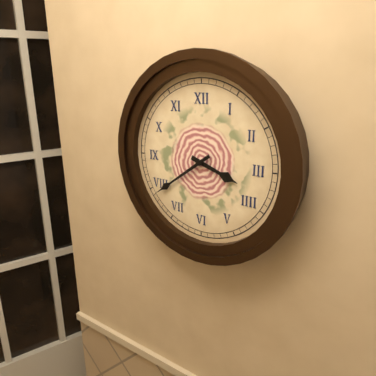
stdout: 3 h 39 min
